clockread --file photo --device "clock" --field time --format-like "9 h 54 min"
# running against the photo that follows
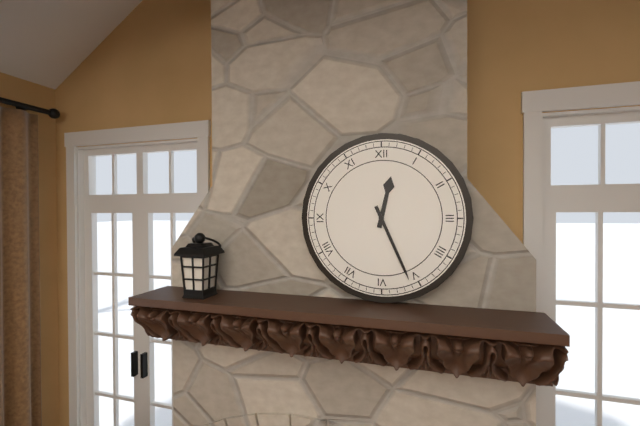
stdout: 12 h 26 min
